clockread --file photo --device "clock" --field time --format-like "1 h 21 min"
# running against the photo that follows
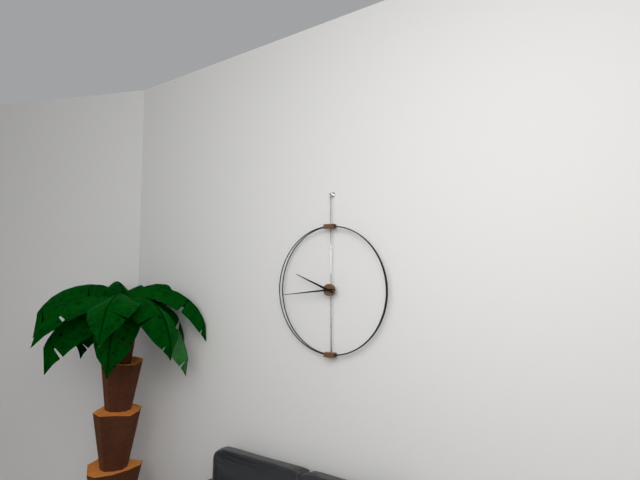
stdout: 9 h 44 min
